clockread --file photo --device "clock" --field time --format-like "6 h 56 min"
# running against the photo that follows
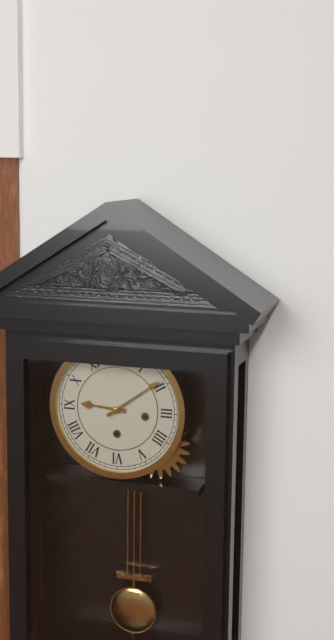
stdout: 9 h 09 min
